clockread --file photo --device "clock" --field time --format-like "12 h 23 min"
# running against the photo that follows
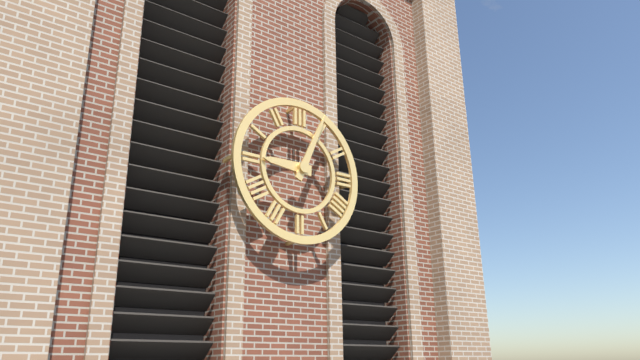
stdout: 9 h 04 min
